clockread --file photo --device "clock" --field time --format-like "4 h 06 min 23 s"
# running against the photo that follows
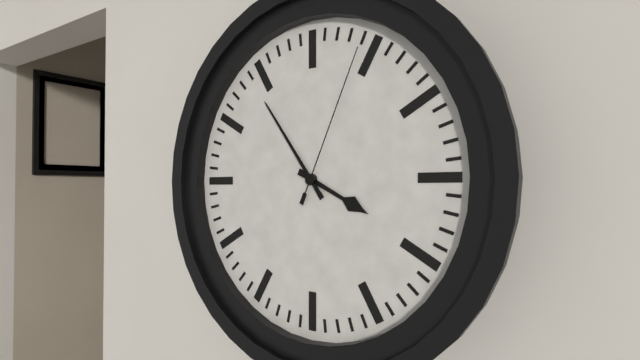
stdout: 3 h 54 min 04 s
